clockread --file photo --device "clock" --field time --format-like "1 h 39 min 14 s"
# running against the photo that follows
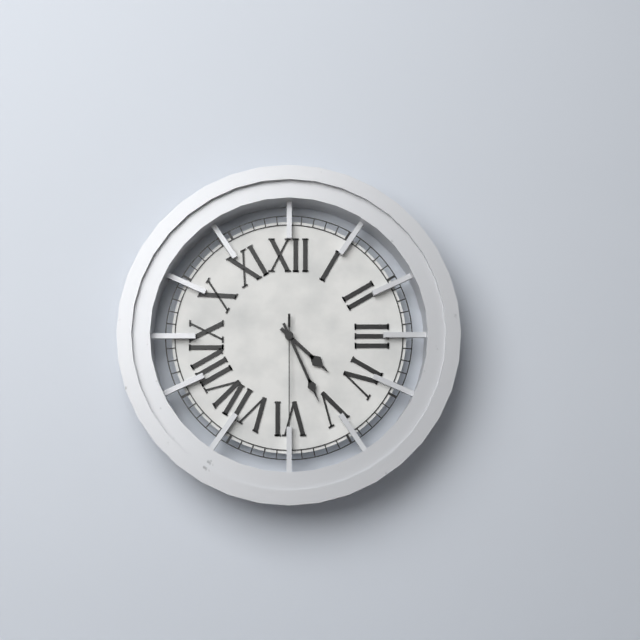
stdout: 4 h 26 min 30 s
